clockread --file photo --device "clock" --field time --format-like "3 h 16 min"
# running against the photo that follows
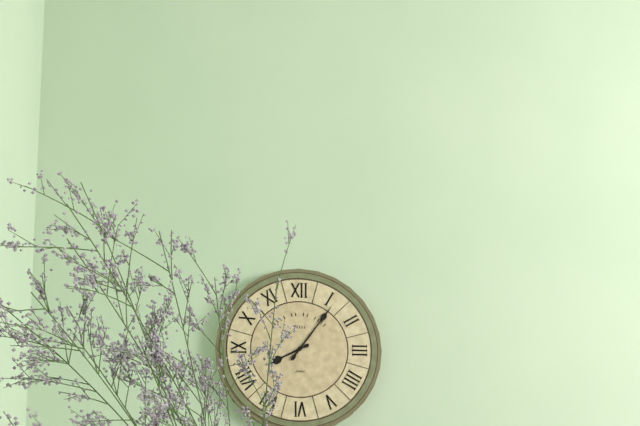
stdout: 8 h 06 min
